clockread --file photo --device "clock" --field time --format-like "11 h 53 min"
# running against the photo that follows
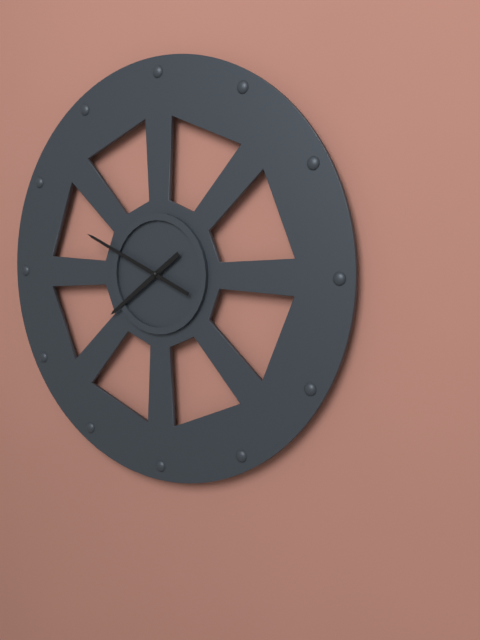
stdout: 7 h 49 min
